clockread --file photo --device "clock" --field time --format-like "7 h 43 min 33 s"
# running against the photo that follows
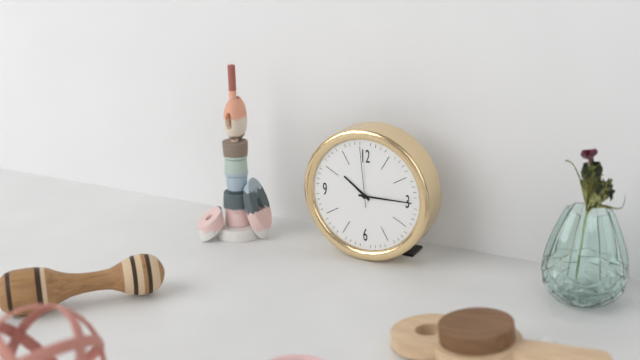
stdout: 10 h 15 min 59 s
